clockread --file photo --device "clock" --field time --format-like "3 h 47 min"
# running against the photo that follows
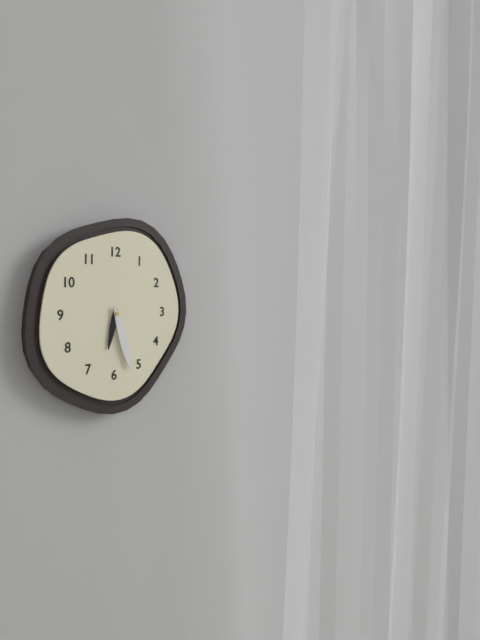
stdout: 6 h 27 min
